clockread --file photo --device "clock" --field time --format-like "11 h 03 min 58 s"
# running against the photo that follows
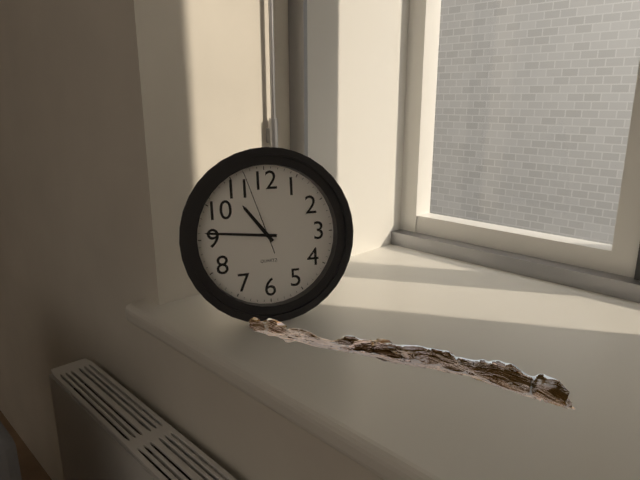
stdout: 10 h 46 min 57 s
